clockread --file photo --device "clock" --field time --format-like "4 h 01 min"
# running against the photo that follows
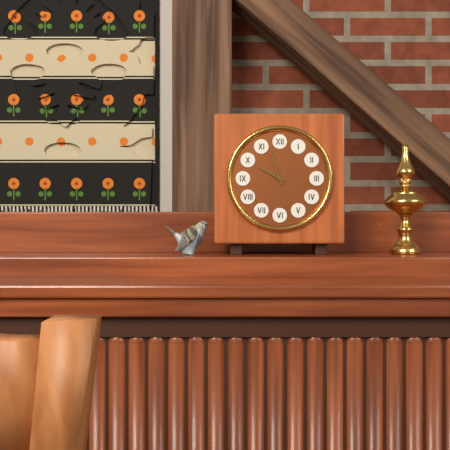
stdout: 9 h 57 min
